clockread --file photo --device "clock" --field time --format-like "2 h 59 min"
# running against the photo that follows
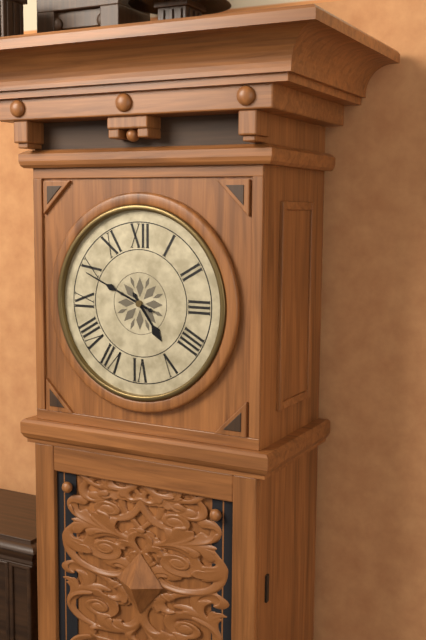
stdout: 4 h 49 min
